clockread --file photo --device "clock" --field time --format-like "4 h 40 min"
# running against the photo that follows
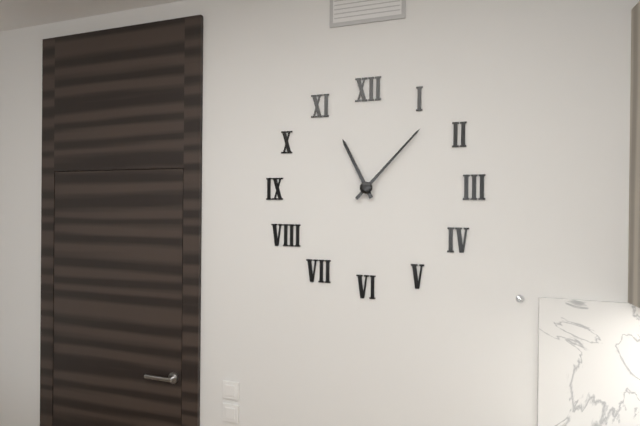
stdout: 11 h 07 min
